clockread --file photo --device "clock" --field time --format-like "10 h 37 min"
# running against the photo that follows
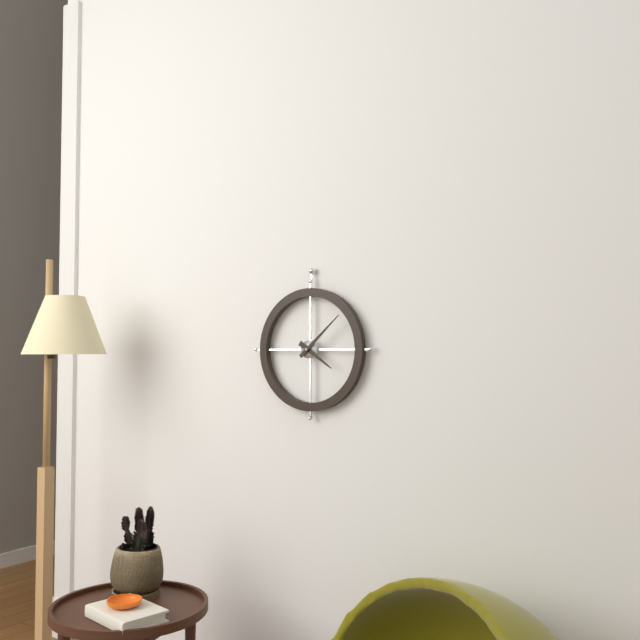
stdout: 4 h 08 min
